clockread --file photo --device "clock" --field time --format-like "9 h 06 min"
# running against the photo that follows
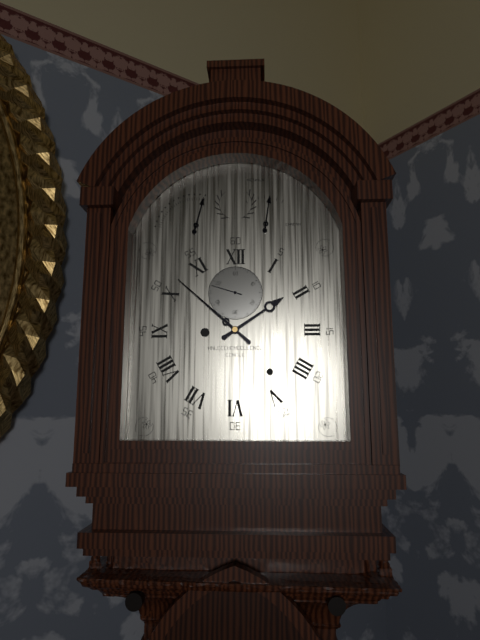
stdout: 1 h 52 min
